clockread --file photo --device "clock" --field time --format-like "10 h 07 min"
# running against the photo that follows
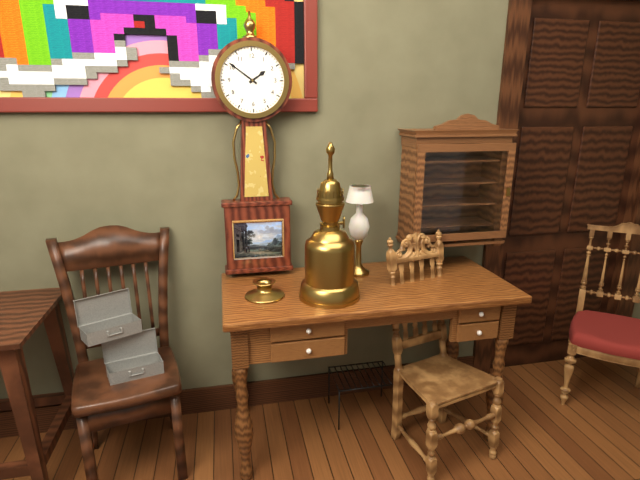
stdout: 1 h 51 min
